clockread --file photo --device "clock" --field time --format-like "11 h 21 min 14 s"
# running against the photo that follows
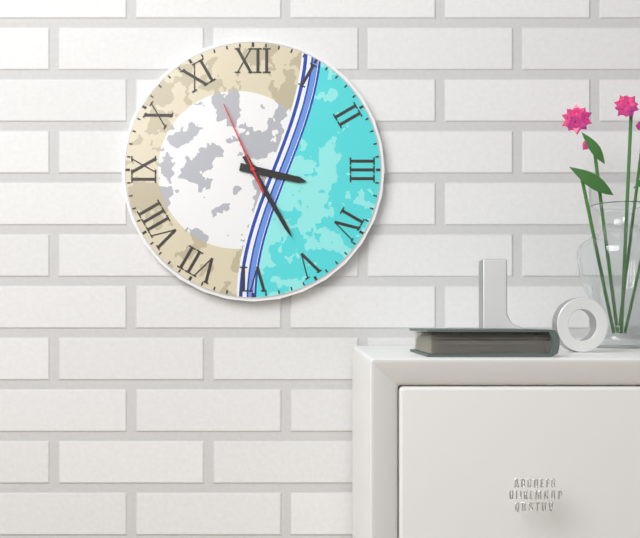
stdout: 3 h 25 min 56 s
